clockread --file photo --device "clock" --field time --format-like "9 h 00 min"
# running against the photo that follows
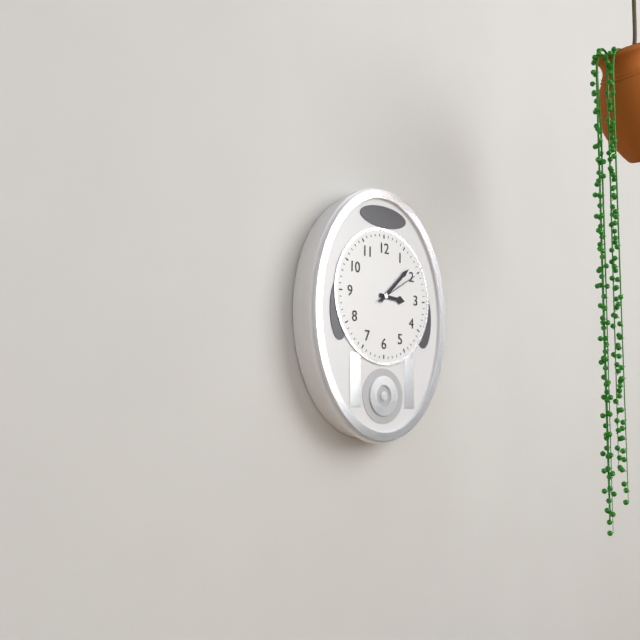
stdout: 3 h 08 min
